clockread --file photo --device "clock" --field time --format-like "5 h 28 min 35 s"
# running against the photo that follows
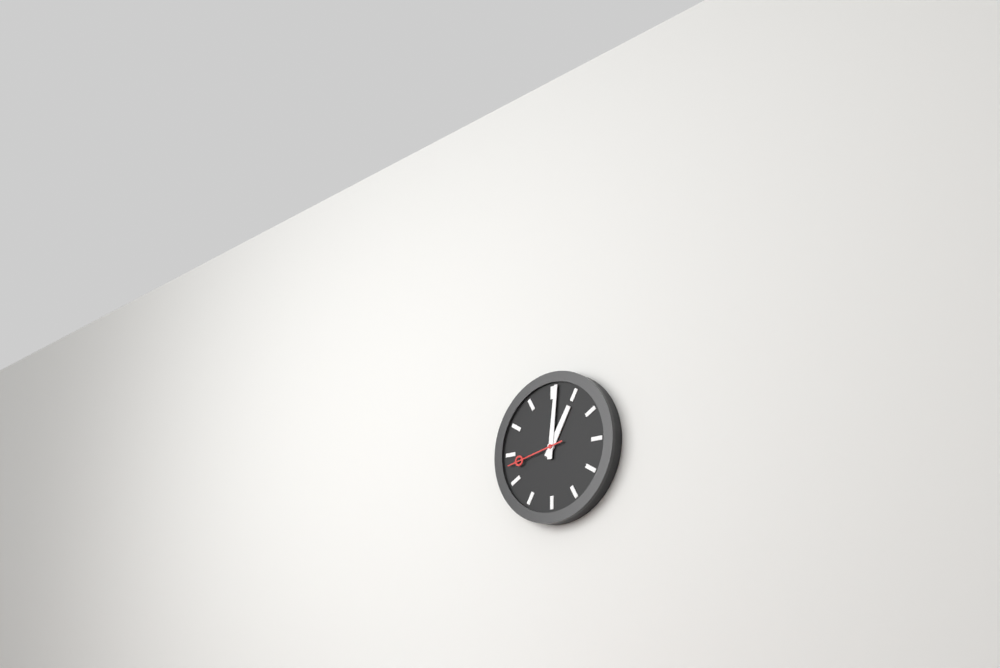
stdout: 1 h 01 min 43 s
